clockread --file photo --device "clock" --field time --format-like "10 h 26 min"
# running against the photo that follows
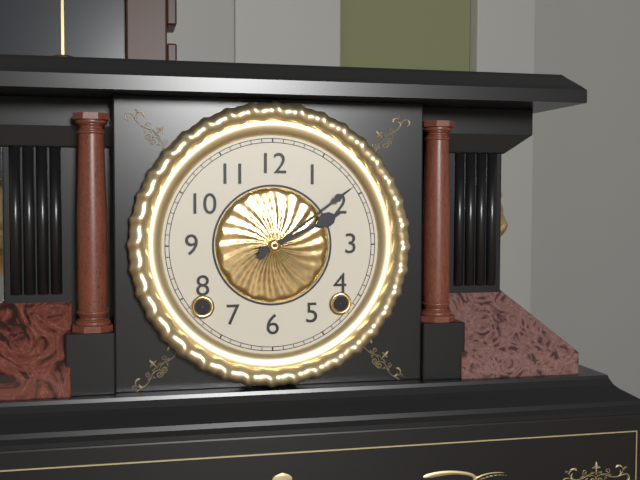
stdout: 2 h 09 min
